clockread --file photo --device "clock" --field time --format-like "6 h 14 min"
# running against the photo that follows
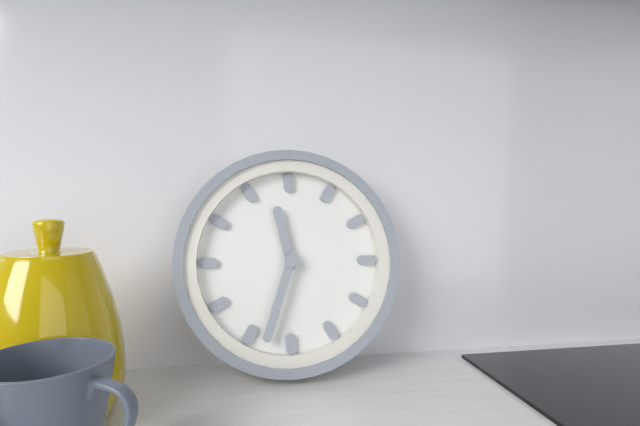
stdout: 11 h 33 min
